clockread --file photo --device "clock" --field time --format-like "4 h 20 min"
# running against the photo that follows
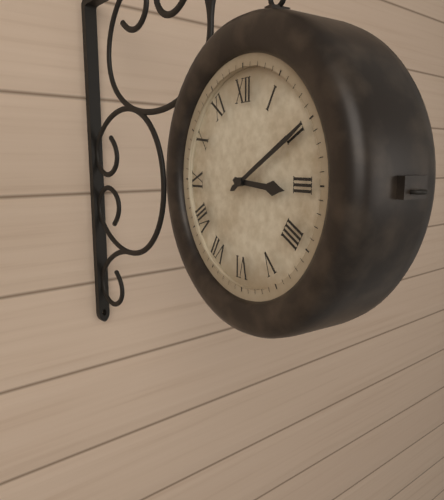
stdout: 3 h 10 min
